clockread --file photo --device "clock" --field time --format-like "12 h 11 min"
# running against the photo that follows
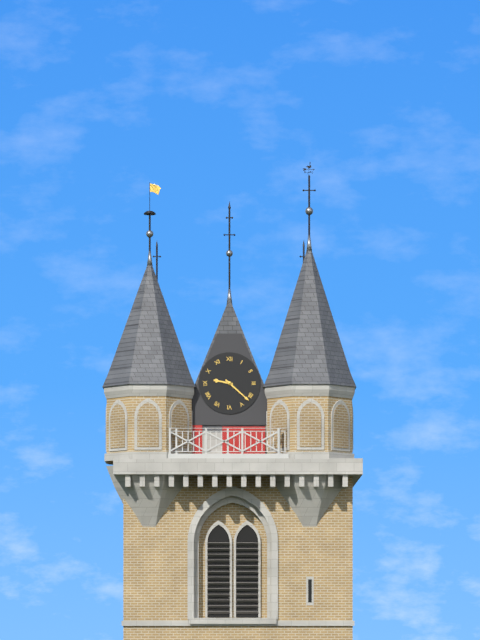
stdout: 9 h 22 min
